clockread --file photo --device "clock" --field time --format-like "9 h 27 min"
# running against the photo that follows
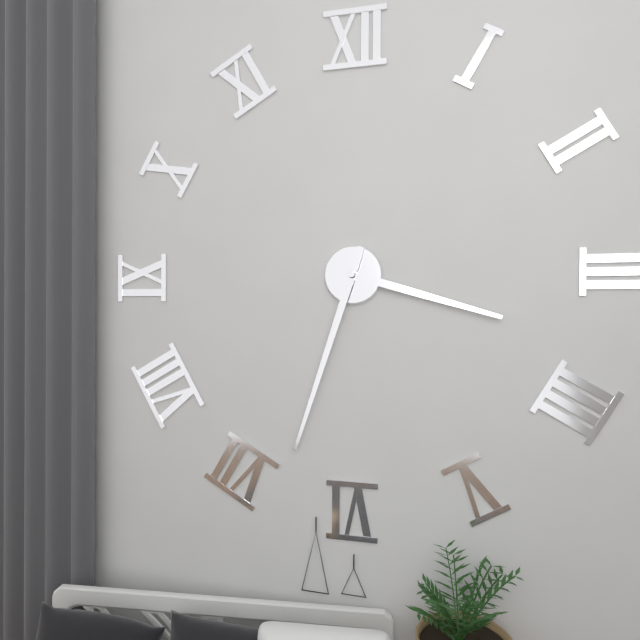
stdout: 3 h 33 min
